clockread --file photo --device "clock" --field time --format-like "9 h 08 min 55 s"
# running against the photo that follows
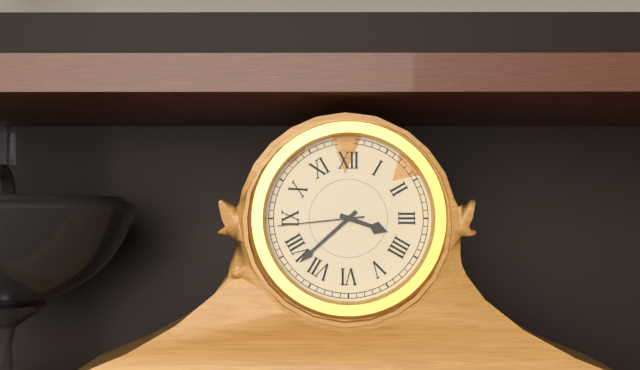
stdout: 3 h 38 min 44 s
